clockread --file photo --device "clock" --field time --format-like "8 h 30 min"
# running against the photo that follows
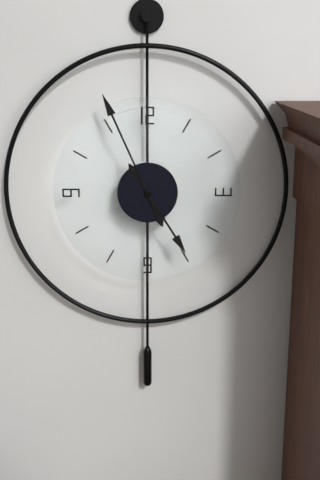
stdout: 4 h 56 min
